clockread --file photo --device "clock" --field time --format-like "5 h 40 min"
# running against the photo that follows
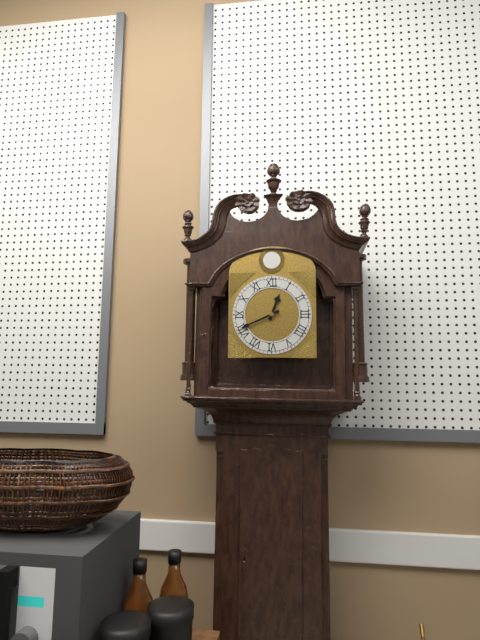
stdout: 12 h 41 min
